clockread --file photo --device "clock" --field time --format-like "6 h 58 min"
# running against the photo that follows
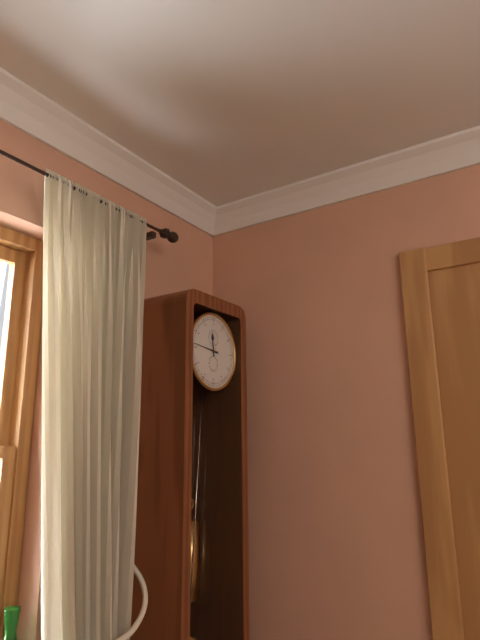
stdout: 11 h 46 min
